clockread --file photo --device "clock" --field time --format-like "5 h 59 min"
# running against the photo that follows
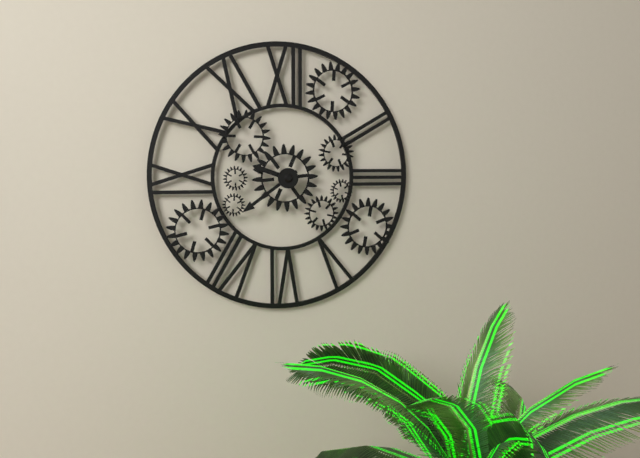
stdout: 9 h 39 min
